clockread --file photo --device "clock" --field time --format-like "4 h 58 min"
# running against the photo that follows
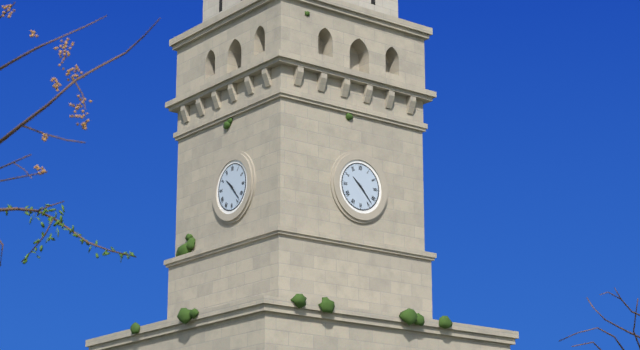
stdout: 10 h 23 min
